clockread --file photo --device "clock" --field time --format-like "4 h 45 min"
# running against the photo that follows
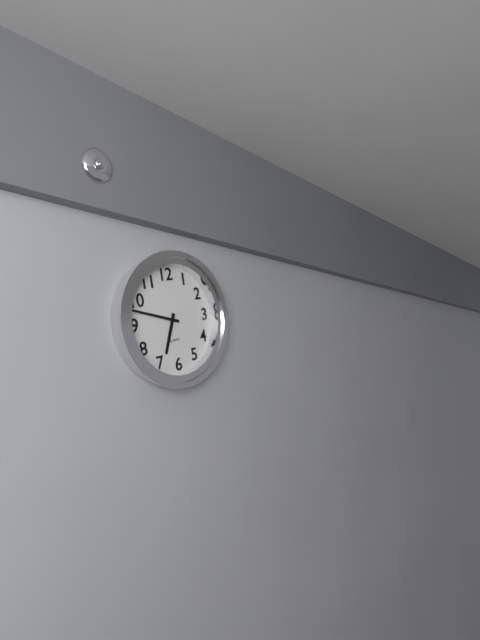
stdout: 6 h 48 min
